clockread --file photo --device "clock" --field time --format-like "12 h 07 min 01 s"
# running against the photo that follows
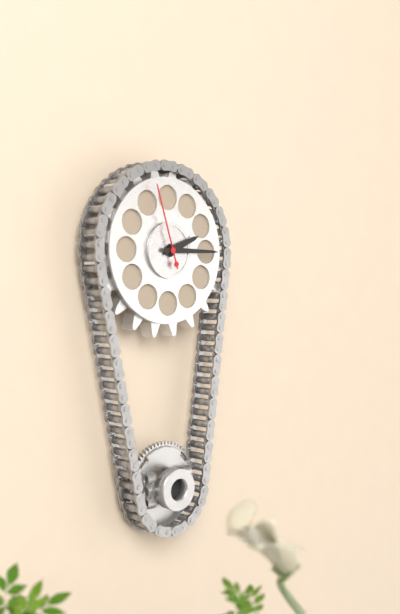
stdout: 2 h 15 min 57 s
